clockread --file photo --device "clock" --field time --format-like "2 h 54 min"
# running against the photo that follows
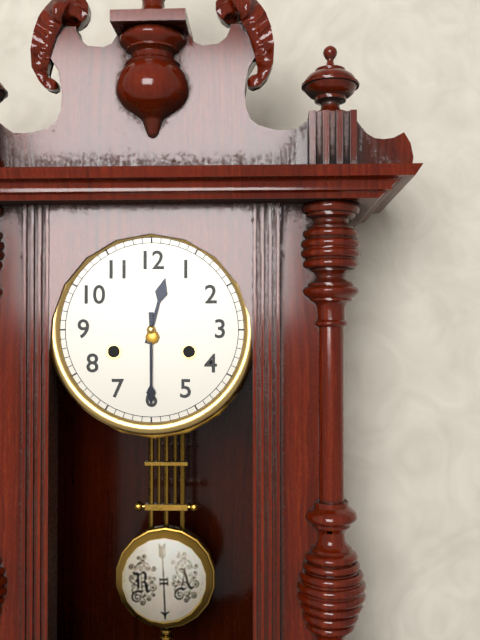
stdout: 12 h 30 min
